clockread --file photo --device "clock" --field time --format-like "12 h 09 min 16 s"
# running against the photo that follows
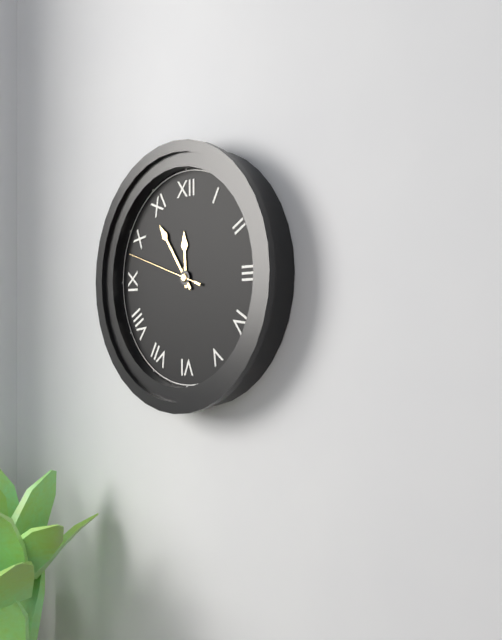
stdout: 11 h 54 min 48 s
